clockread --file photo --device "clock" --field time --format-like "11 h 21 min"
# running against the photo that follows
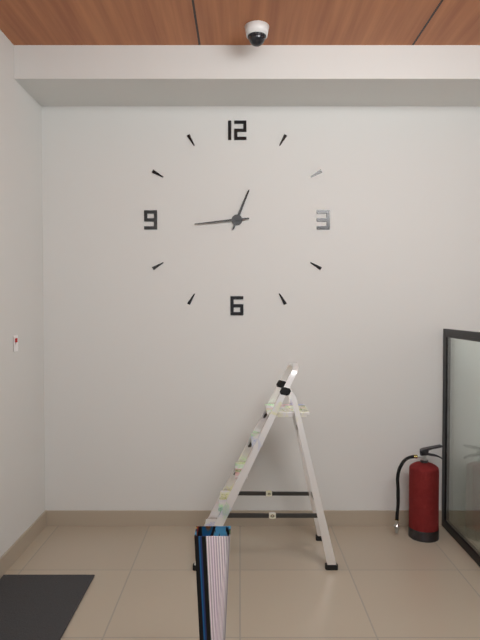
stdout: 12 h 44 min
